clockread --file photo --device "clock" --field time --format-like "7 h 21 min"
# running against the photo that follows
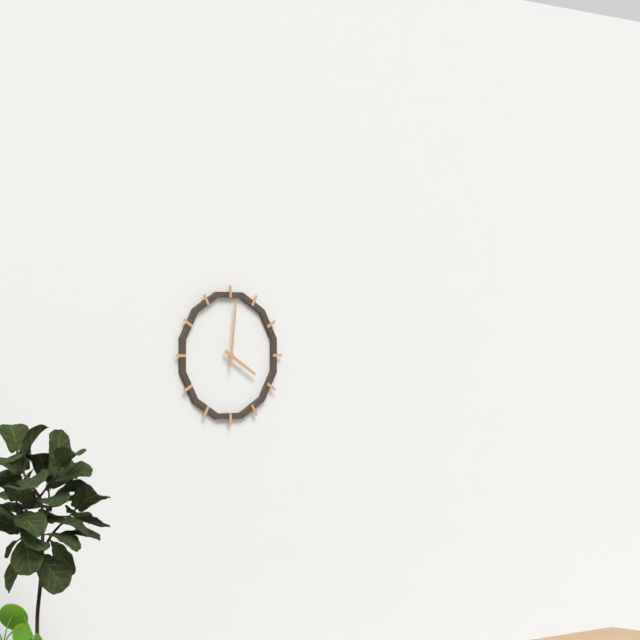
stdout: 4 h 01 min
